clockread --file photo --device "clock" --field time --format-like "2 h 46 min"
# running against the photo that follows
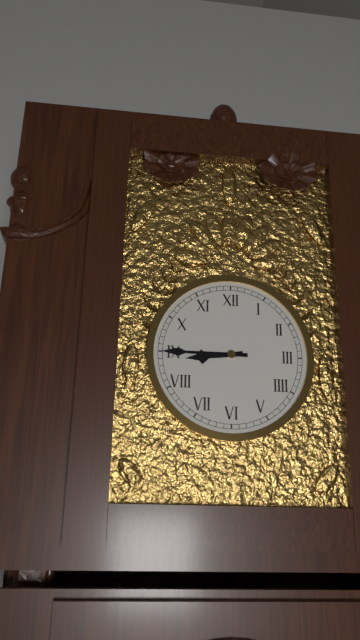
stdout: 8 h 45 min
